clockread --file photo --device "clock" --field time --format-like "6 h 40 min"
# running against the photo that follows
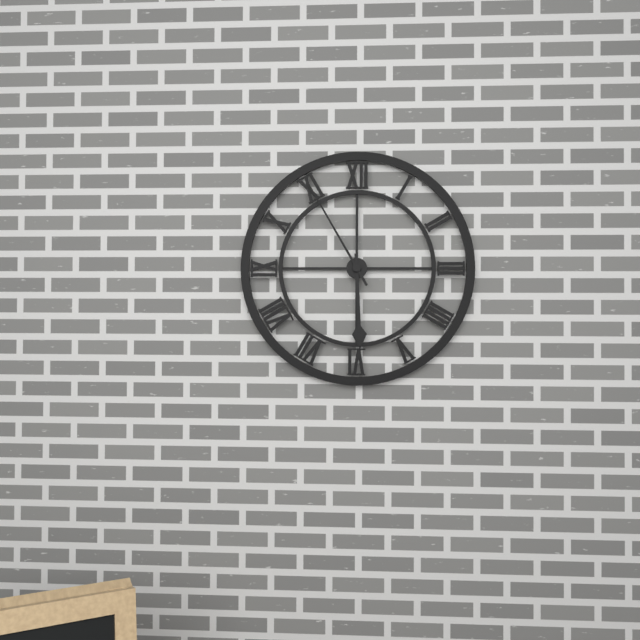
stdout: 5 h 55 min
